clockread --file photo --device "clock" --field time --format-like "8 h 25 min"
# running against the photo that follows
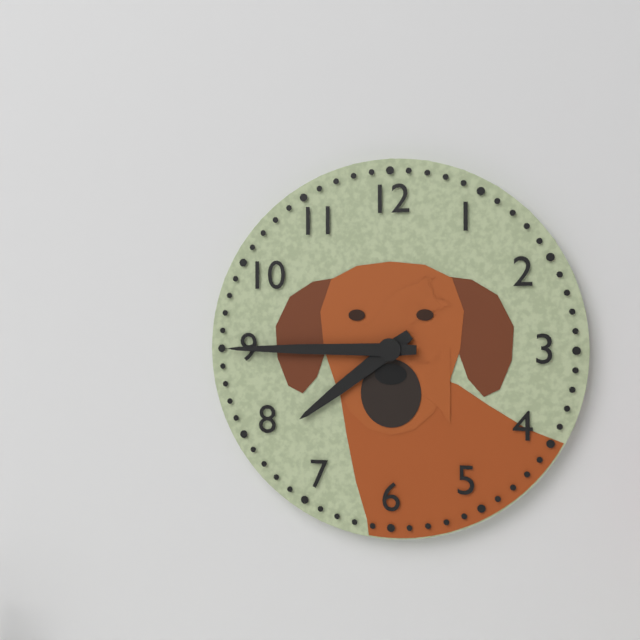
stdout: 7 h 45 min
